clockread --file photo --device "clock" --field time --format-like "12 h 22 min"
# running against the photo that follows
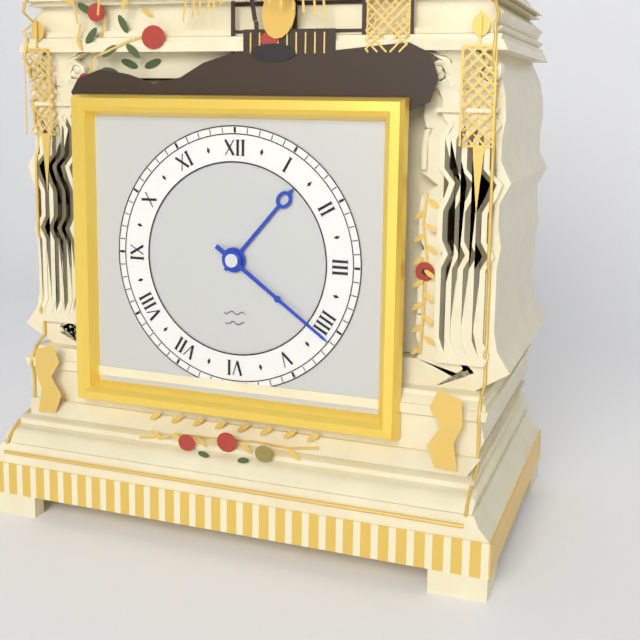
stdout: 1 h 21 min
